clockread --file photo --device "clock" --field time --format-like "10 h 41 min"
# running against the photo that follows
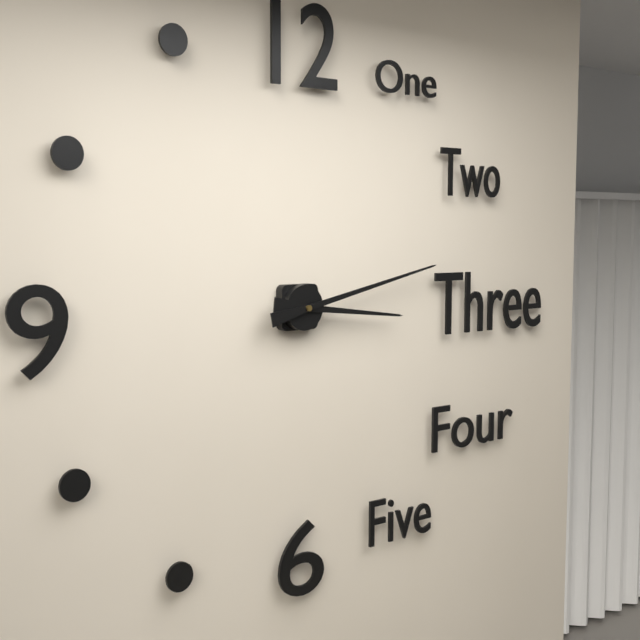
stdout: 3 h 13 min
